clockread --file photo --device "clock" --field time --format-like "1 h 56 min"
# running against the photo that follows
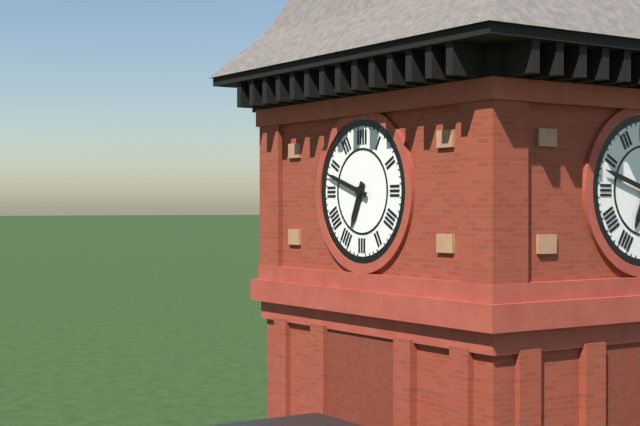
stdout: 6 h 48 min
